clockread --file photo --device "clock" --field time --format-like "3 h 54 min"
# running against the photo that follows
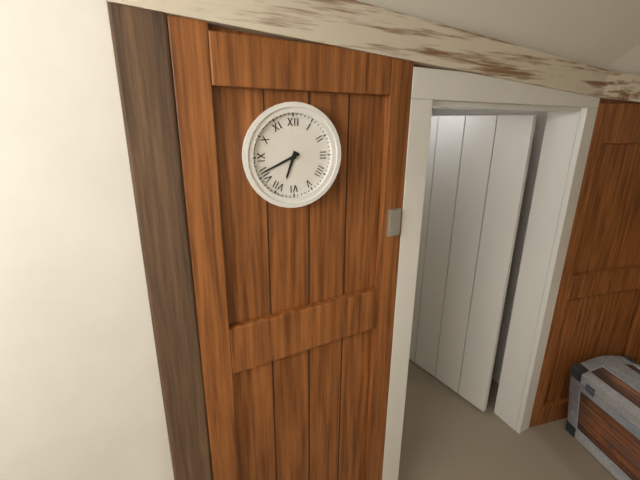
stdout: 6 h 41 min
